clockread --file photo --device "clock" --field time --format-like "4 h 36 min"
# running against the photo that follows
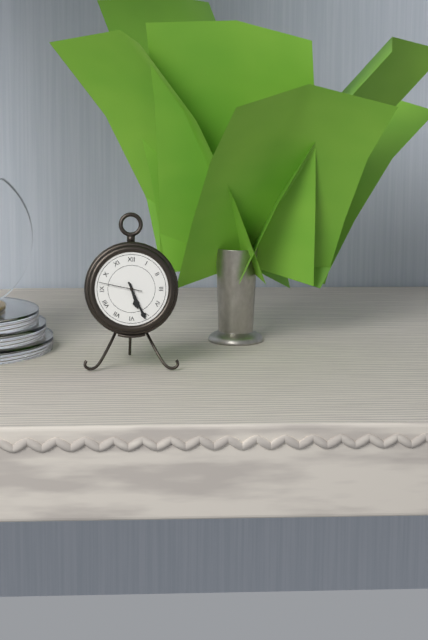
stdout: 5 h 26 min
